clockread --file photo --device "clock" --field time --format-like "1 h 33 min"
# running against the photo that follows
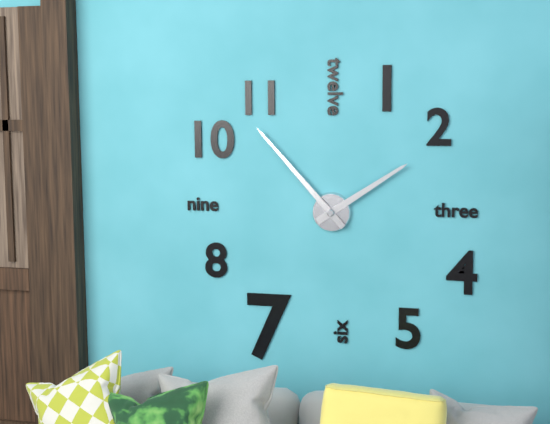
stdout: 1 h 53 min
